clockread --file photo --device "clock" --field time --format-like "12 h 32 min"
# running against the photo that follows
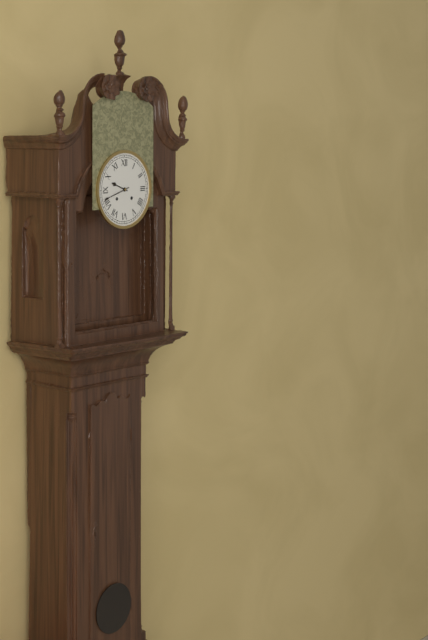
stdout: 9 h 42 min
